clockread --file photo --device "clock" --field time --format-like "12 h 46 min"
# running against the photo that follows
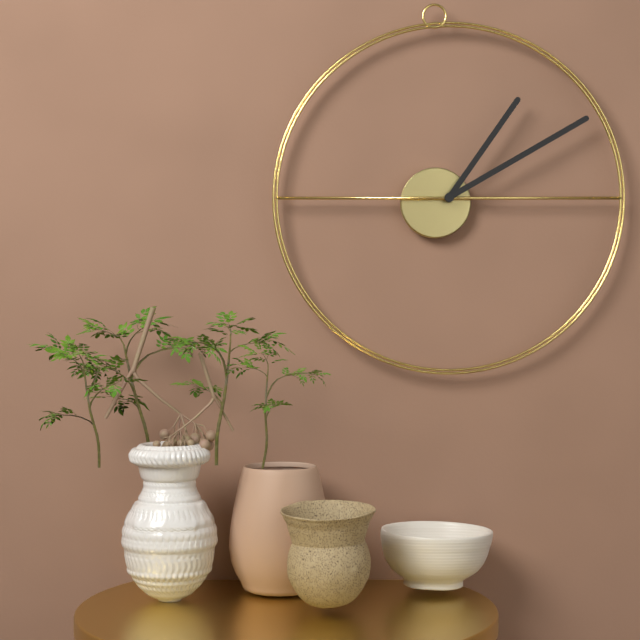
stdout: 1 h 10 min
